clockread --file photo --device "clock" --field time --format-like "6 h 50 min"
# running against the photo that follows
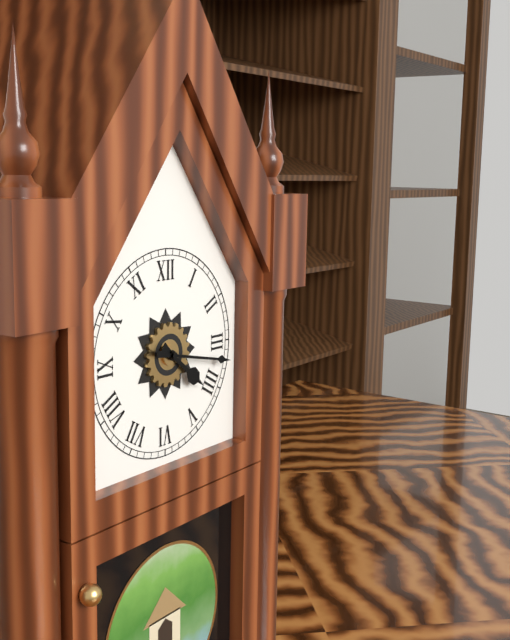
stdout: 4 h 17 min
